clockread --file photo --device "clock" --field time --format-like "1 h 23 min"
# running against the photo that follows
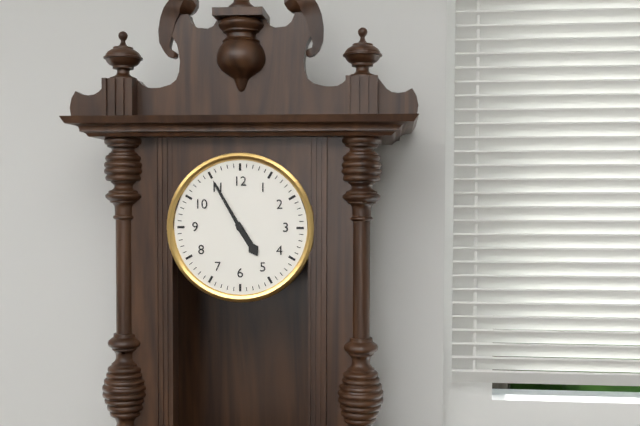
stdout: 4 h 55 min
